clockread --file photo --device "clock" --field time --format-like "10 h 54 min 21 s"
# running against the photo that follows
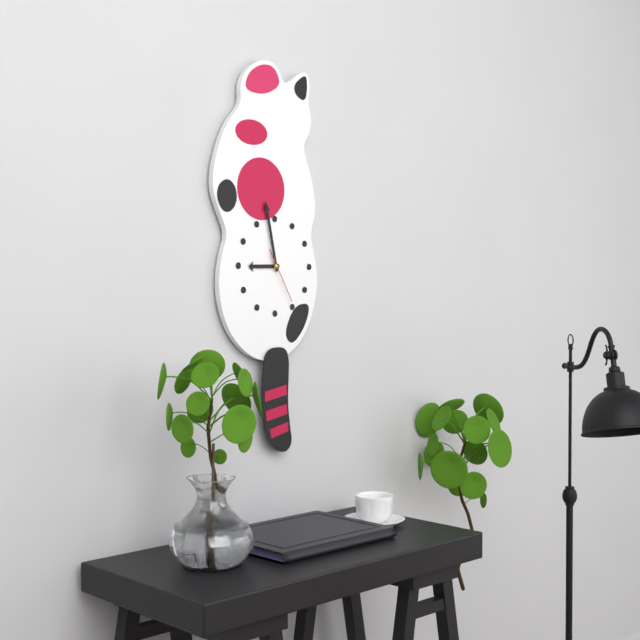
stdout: 8 h 58 min 25 s
